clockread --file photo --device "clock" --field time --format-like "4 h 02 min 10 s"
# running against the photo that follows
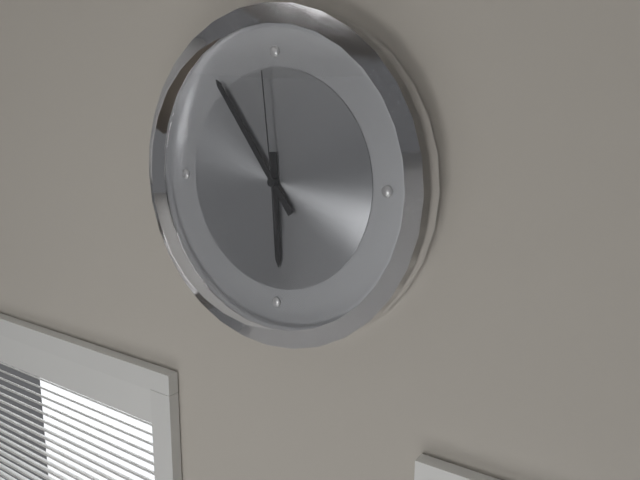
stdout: 5 h 54 min 59 s
